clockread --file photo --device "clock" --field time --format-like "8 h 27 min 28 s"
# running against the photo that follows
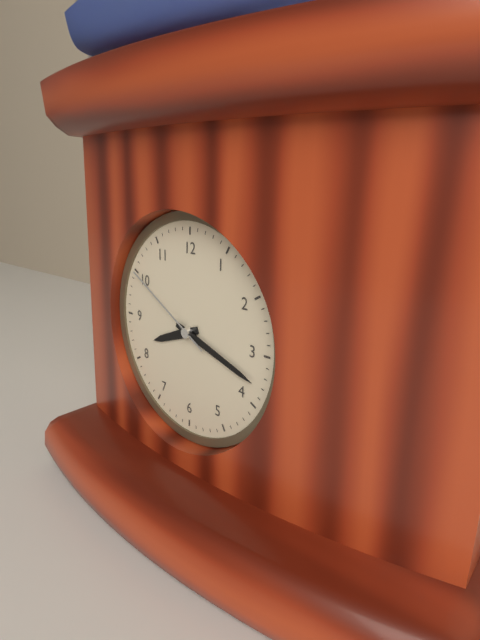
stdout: 8 h 18 min 50 s
